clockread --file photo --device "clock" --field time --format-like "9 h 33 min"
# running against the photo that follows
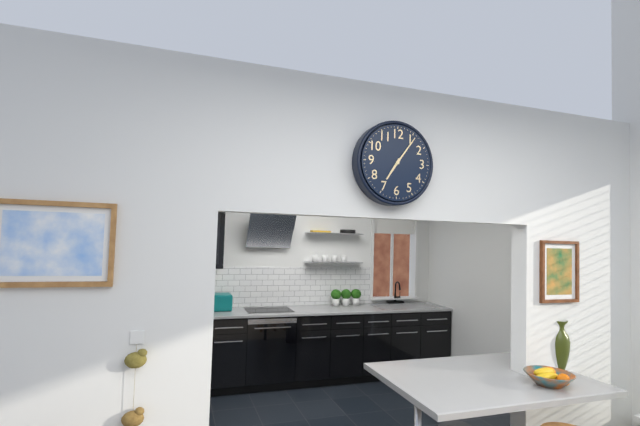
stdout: 7 h 06 min
